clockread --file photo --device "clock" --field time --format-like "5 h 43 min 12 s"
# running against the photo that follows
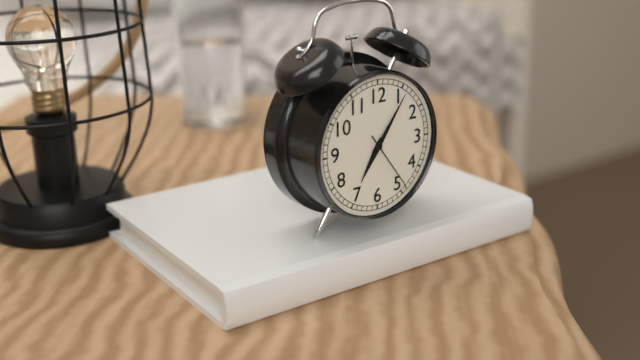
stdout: 7 h 06 min 24 s
